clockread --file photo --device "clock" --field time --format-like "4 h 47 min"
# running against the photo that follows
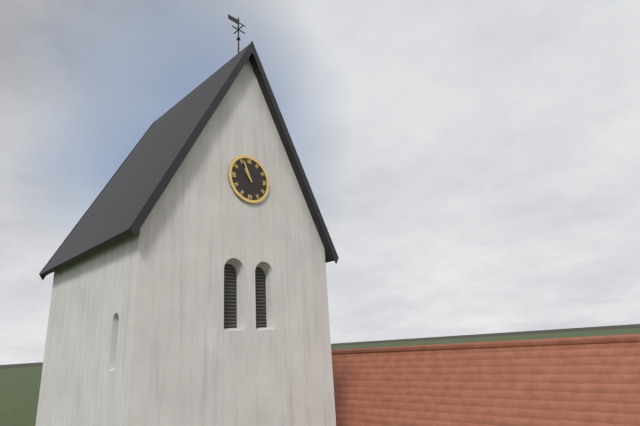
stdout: 10 h 56 min
